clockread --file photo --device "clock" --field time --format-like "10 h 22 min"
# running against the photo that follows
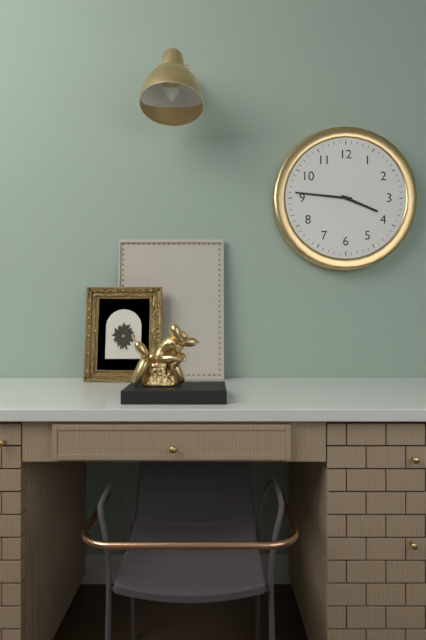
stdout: 3 h 46 min
